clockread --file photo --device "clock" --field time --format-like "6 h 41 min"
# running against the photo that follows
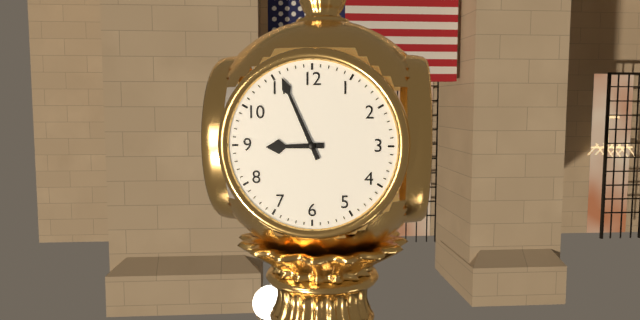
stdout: 8 h 56 min
